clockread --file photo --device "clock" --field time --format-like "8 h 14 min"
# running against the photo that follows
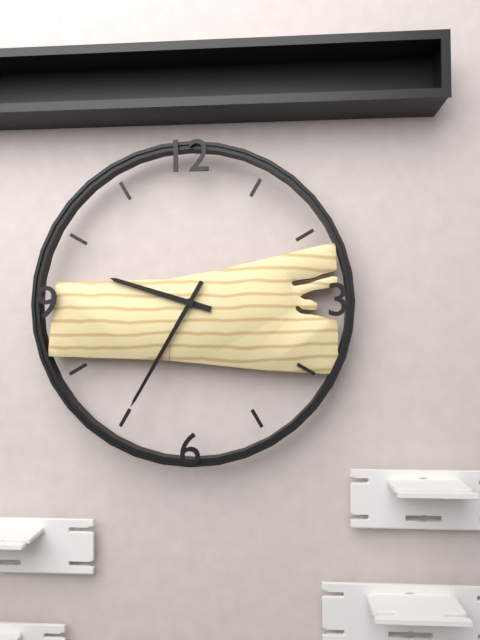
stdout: 9 h 35 min
